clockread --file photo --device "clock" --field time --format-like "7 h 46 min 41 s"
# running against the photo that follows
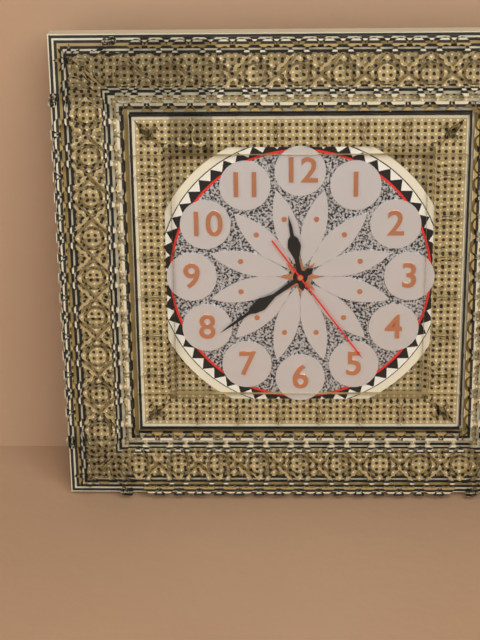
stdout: 11 h 39 min 24 s
